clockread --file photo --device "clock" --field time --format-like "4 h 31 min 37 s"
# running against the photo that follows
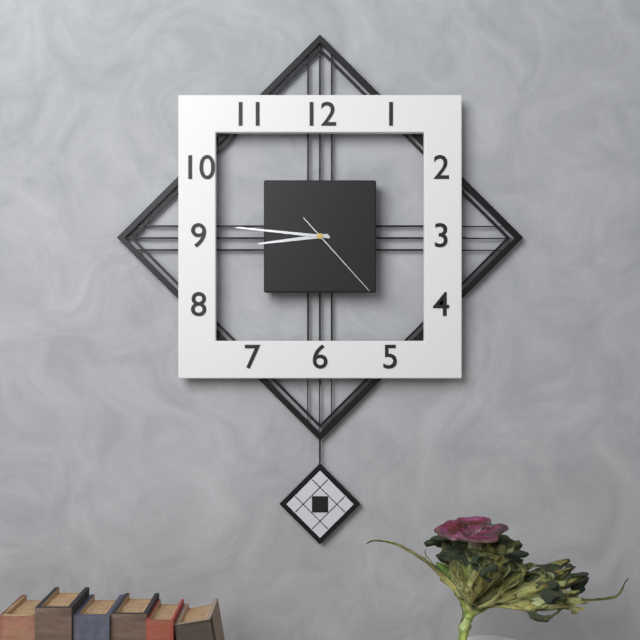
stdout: 8 h 46 min 23 s
